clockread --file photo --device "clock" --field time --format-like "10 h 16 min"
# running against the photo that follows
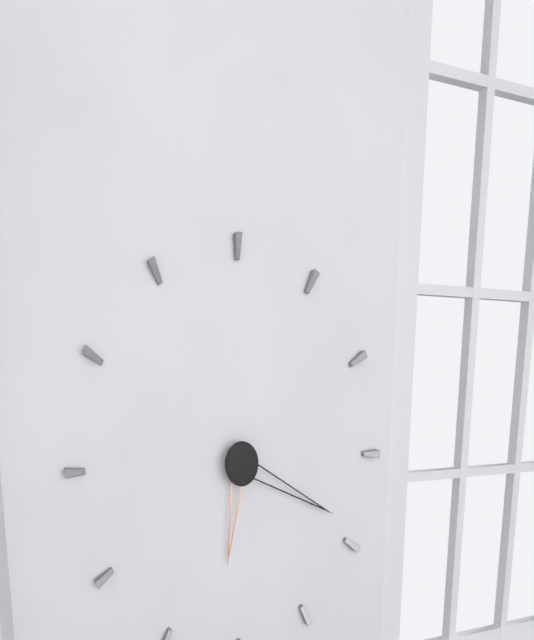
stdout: 6 h 19 min
